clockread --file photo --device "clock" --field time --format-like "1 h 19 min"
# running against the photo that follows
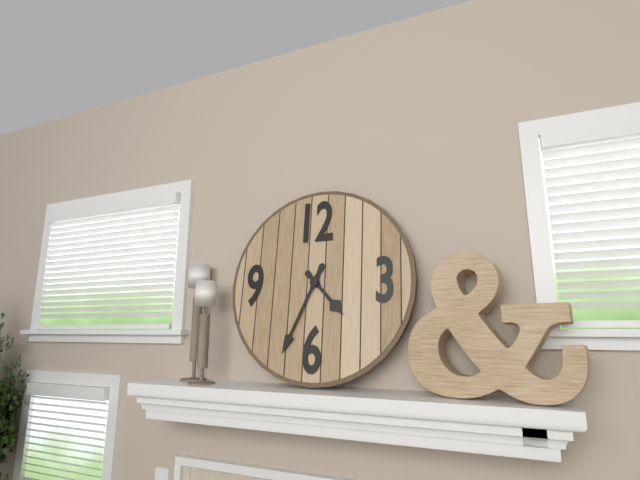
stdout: 4 h 34 min
